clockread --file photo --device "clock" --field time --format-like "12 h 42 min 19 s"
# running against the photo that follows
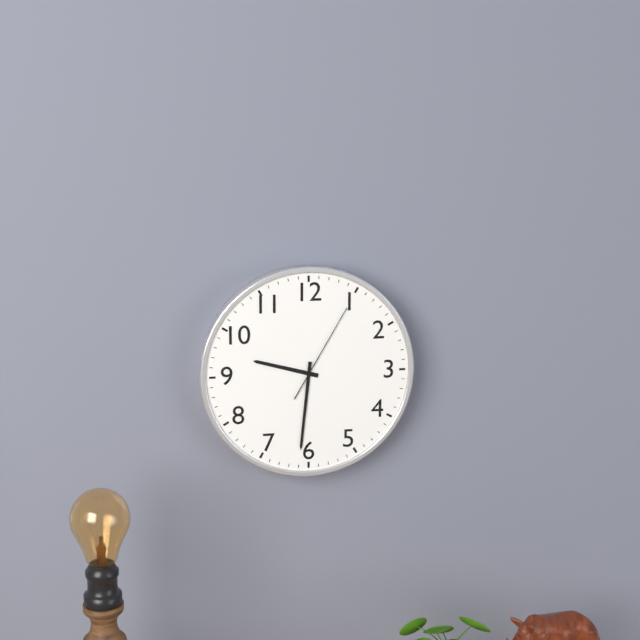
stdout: 9 h 31 min 05 s
